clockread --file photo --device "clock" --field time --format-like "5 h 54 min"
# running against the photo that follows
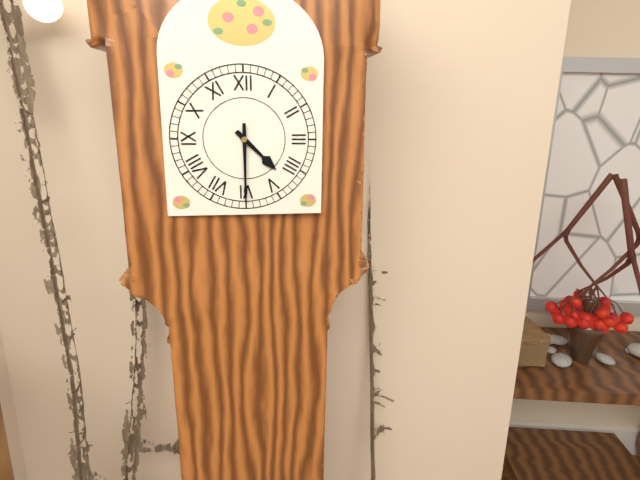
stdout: 4 h 30 min
